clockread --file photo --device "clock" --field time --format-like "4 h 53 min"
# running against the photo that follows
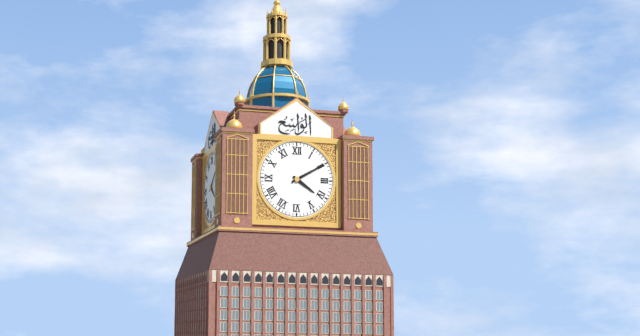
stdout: 4 h 10 min
